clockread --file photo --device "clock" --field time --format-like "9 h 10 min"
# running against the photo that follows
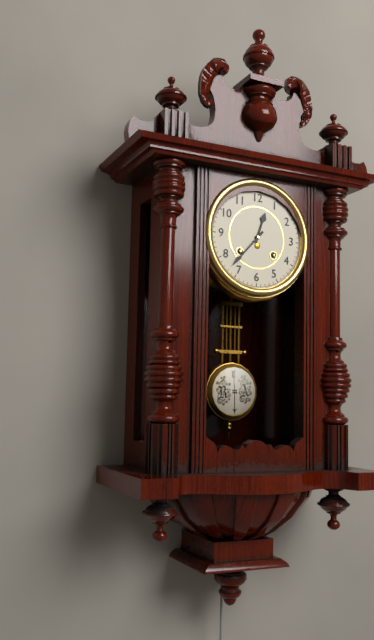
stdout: 12 h 37 min
